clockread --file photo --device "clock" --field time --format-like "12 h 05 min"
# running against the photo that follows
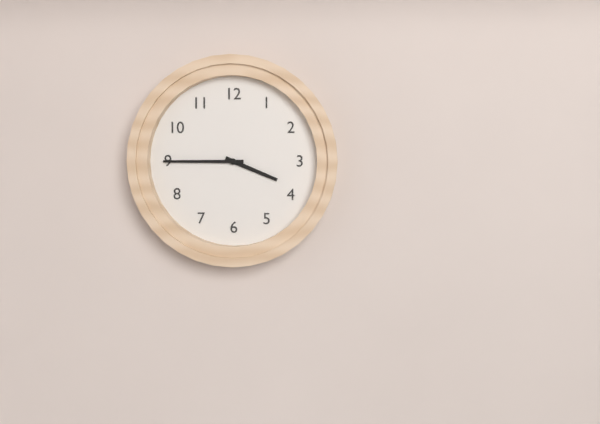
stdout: 3 h 45 min
